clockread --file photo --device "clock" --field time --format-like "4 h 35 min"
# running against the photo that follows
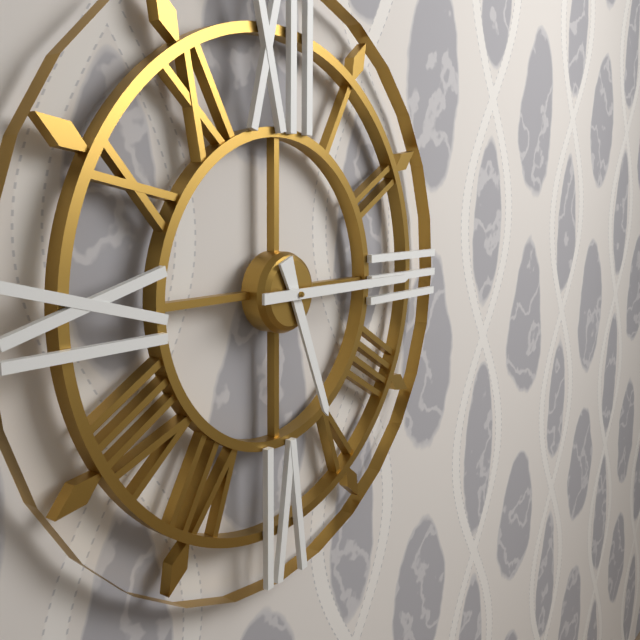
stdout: 5 h 15 min
